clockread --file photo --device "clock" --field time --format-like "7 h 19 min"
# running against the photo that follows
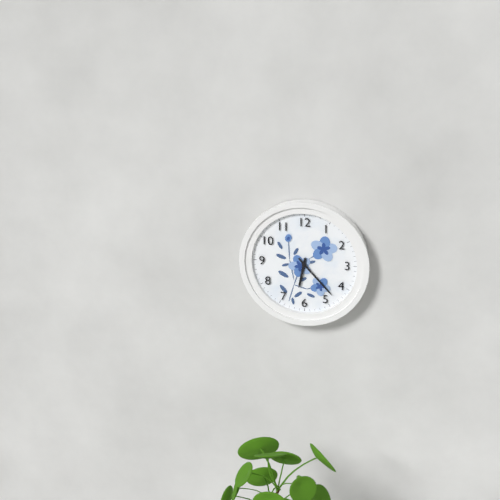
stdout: 6 h 23 min
